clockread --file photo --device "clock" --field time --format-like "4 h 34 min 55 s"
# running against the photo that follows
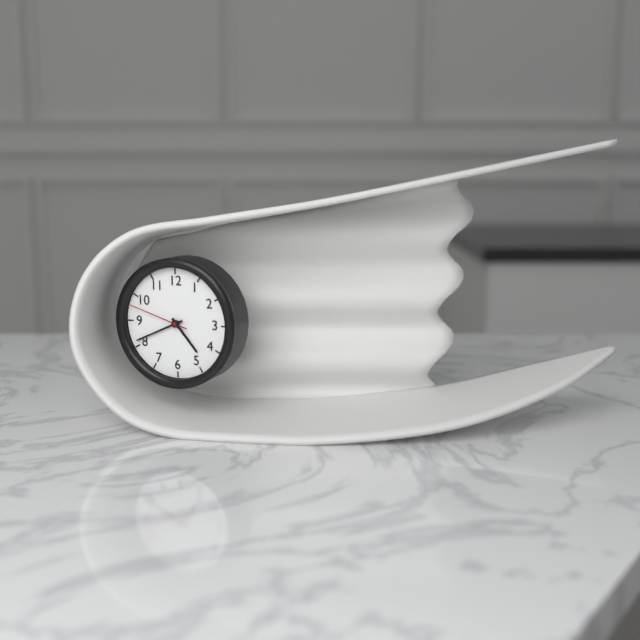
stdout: 4 h 41 min 48 s
